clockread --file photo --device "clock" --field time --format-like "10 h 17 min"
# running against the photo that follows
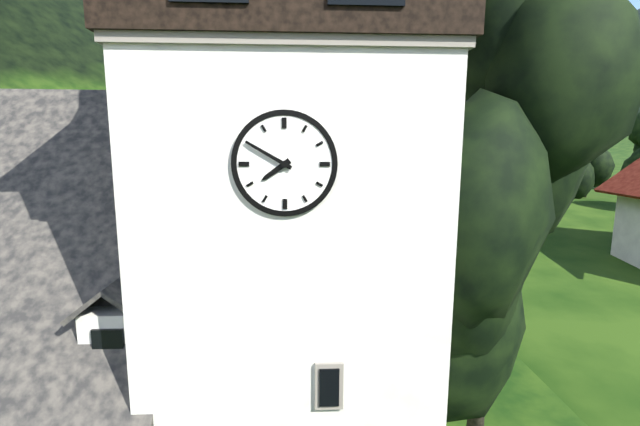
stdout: 7 h 50 min
